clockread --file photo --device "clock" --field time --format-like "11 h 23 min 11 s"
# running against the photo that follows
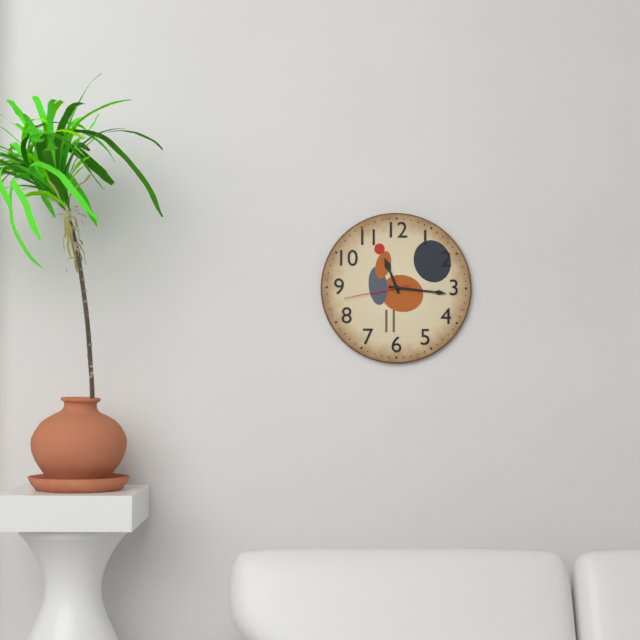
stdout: 11 h 16 min 43 s
